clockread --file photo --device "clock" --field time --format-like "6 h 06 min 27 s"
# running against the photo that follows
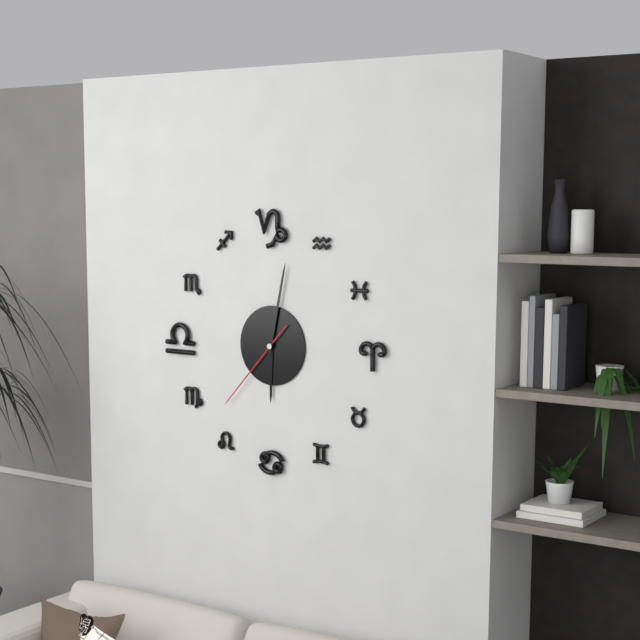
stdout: 6 h 02 min 37 s
